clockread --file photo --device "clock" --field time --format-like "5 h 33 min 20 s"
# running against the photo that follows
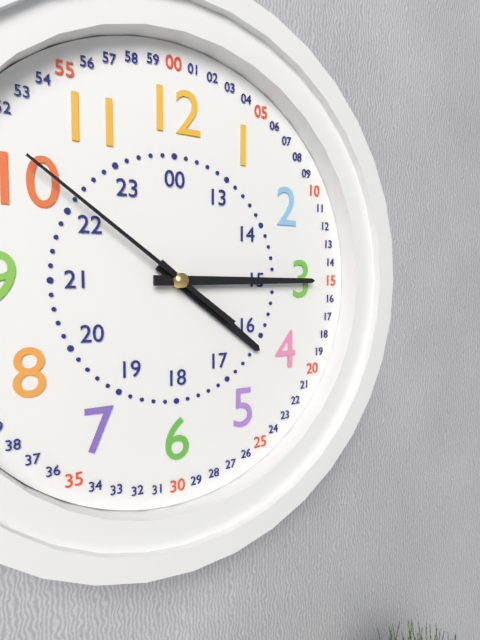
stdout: 4 h 15 min 51 s
